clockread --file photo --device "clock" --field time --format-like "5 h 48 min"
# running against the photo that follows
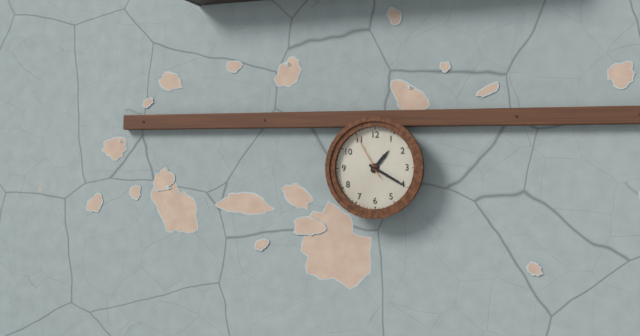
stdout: 1 h 20 min
